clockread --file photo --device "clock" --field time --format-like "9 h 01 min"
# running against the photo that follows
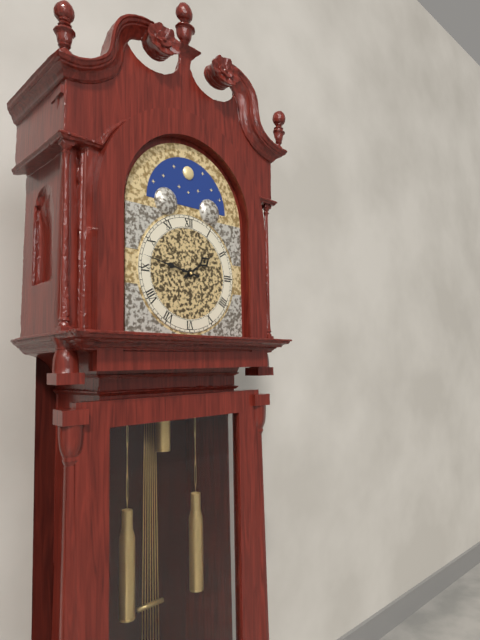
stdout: 1 h 47 min
